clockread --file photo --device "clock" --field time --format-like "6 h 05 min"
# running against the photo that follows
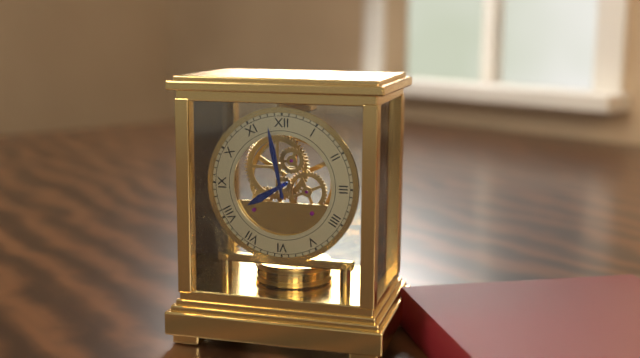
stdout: 7 h 58 min
